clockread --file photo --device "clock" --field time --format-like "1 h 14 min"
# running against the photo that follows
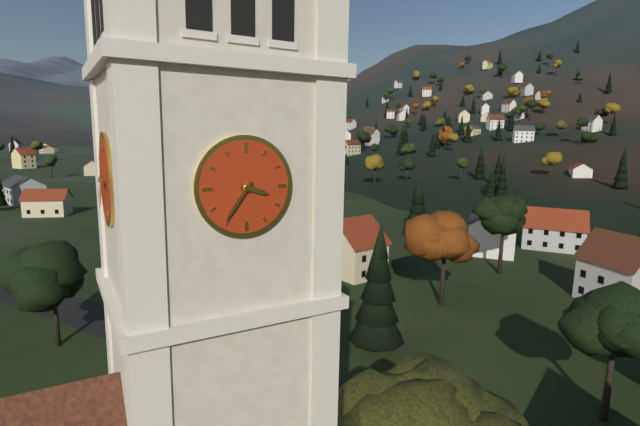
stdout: 3 h 36 min
